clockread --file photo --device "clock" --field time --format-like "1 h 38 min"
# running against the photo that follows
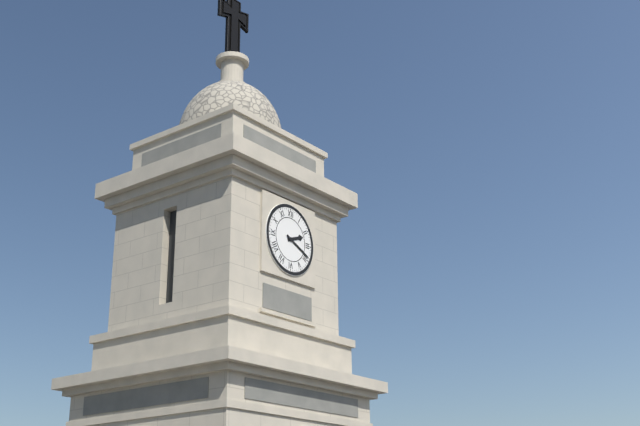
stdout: 2 h 19 min
